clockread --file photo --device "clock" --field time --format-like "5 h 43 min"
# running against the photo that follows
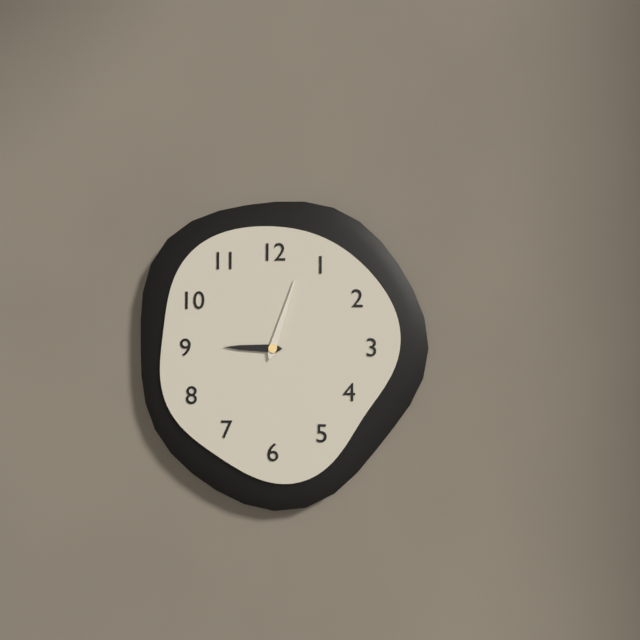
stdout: 9 h 03 min
